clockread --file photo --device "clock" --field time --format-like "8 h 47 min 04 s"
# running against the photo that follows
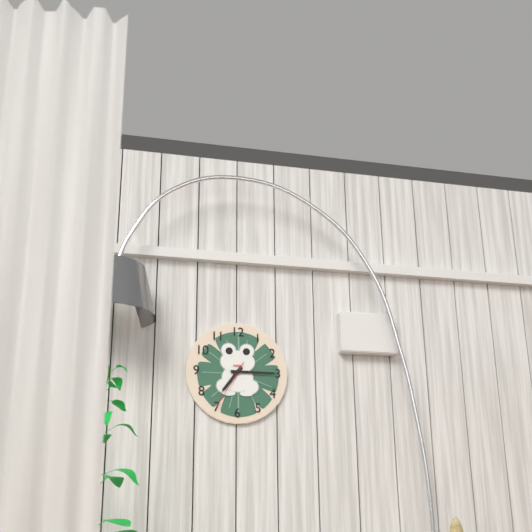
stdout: 7 h 15 min 35 s
